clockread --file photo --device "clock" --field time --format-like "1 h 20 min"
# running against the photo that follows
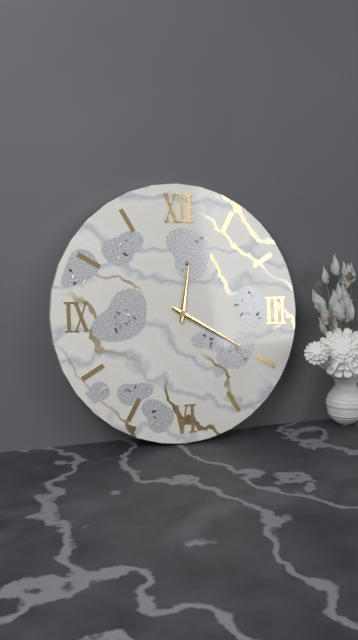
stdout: 12 h 20 min
